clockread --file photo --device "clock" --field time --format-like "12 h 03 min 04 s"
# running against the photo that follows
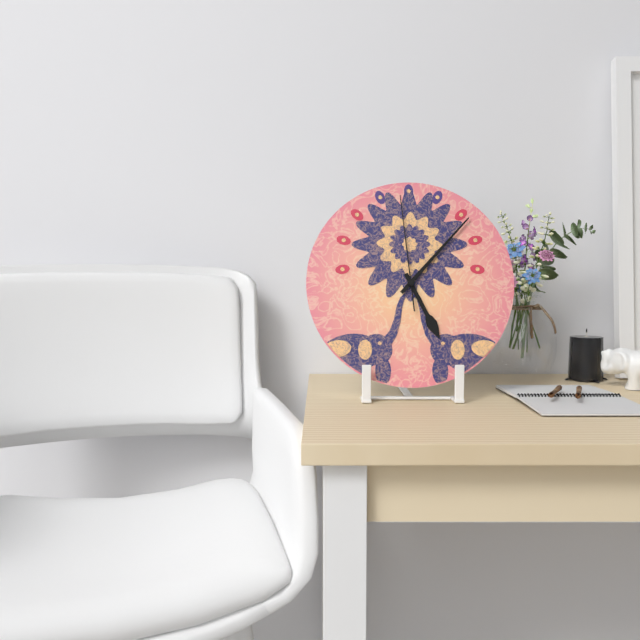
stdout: 5 h 07 min 59 s
